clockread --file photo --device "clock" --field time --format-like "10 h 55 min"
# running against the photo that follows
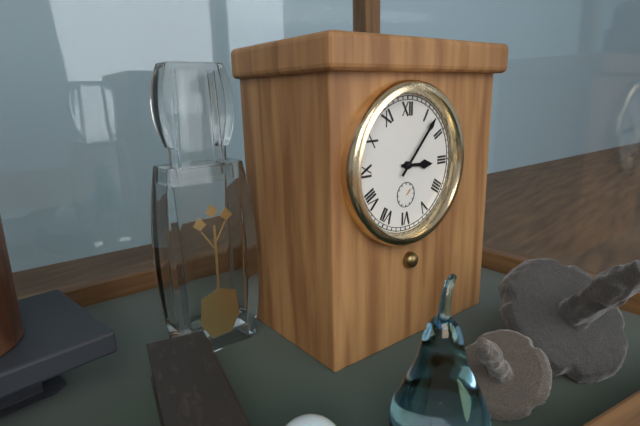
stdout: 3 h 07 min
